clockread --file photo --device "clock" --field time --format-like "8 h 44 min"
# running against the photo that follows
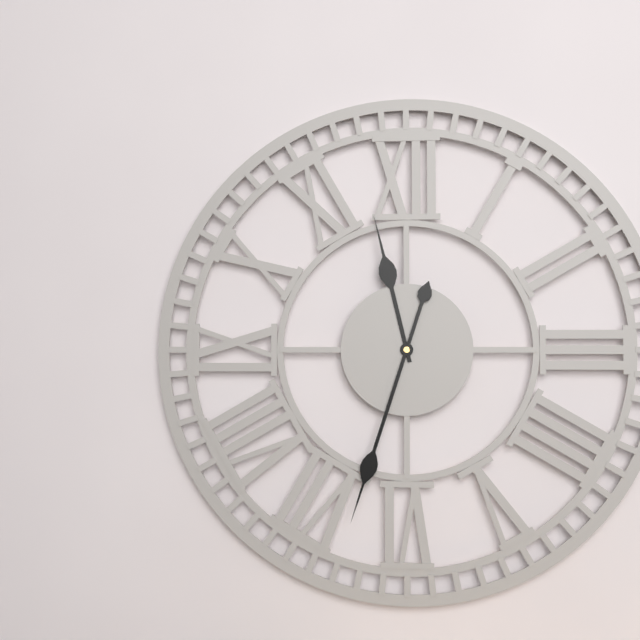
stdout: 11 h 33 min
